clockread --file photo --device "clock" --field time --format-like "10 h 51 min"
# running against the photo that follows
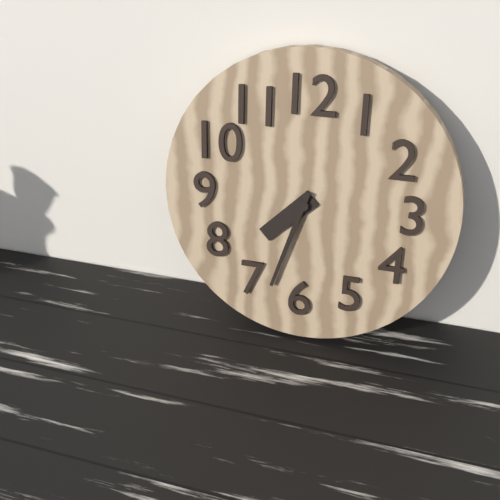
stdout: 7 h 33 min
